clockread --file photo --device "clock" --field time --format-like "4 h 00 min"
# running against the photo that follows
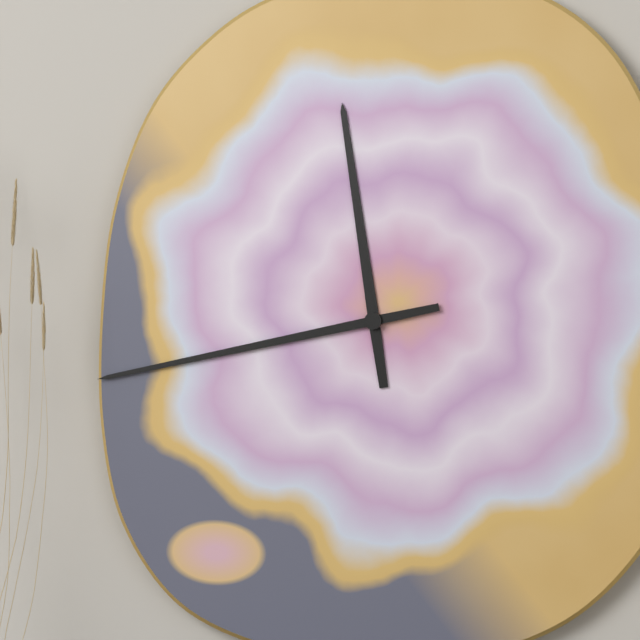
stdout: 11 h 43 min
